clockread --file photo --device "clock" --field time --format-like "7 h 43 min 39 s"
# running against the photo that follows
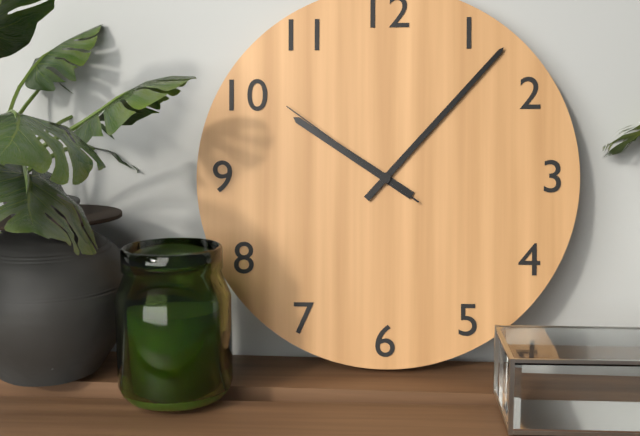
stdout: 10 h 07 min 51 s
